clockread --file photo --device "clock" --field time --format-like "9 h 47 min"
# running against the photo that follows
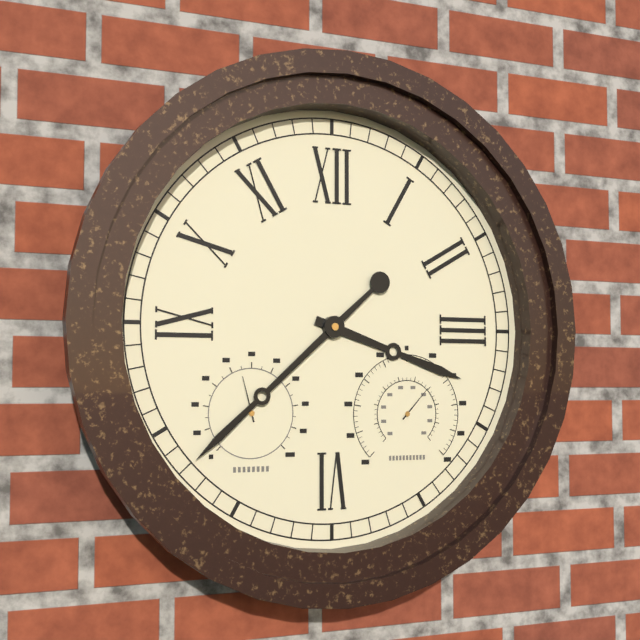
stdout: 3 h 38 min
